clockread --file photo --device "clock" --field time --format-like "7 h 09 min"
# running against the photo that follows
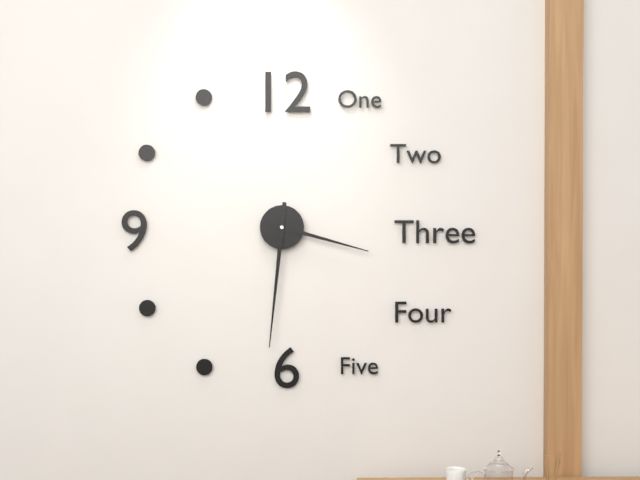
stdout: 3 h 31 min
